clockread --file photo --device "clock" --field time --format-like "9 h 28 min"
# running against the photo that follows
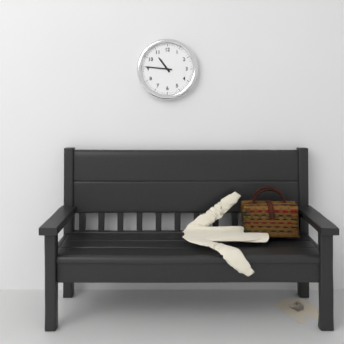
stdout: 10 h 46 min
